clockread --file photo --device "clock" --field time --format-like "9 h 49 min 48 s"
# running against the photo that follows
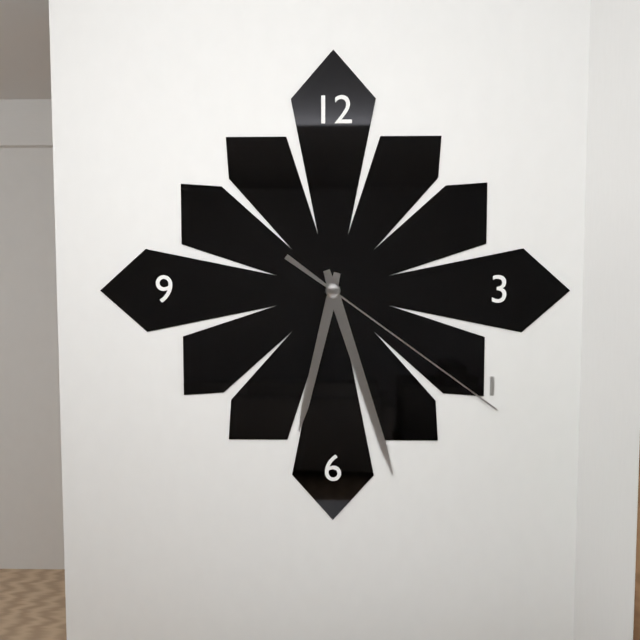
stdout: 6 h 27 min 21 s
